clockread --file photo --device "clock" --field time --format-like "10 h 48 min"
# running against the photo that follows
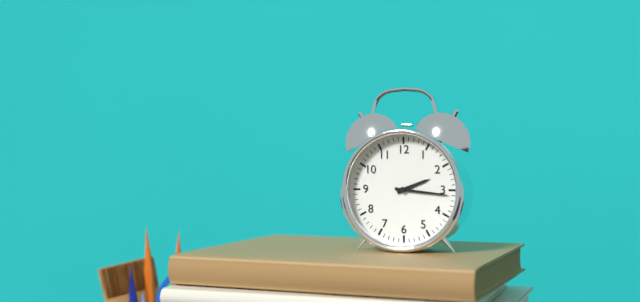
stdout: 2 h 16 min
